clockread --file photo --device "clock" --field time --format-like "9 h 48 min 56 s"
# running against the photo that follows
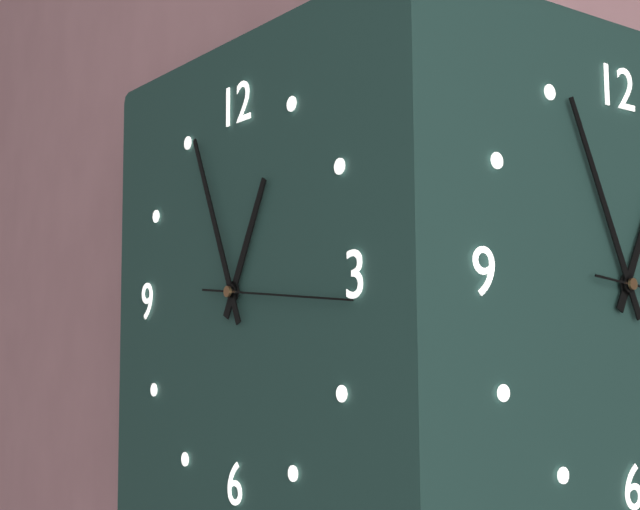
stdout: 12 h 56 min 16 s
